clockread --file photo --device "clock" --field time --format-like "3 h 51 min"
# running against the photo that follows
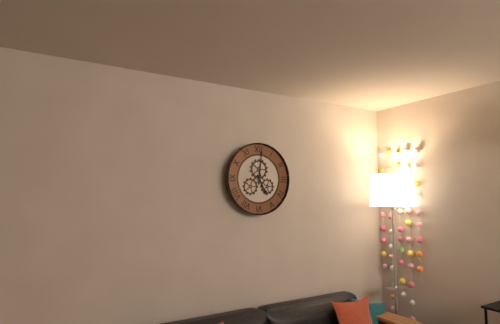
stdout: 5 h 01 min
